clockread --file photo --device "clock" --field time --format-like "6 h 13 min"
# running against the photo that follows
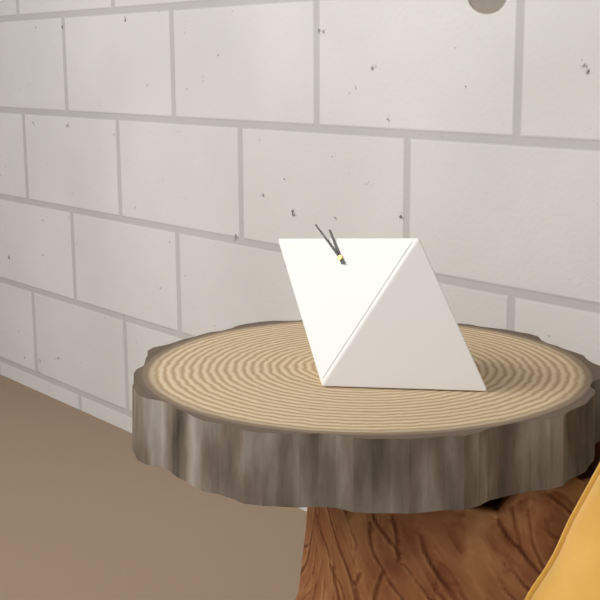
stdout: 10 h 52 min
